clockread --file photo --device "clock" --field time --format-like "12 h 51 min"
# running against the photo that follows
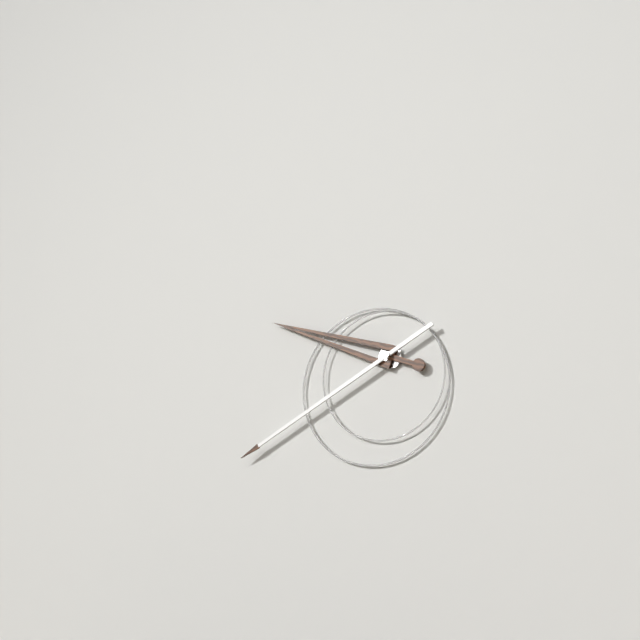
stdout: 9 h 40 min
